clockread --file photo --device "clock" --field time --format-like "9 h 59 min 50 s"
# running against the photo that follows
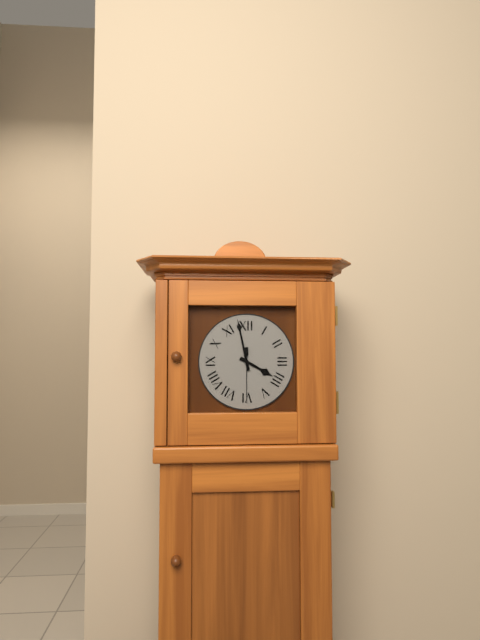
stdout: 3 h 58 min 30 s
